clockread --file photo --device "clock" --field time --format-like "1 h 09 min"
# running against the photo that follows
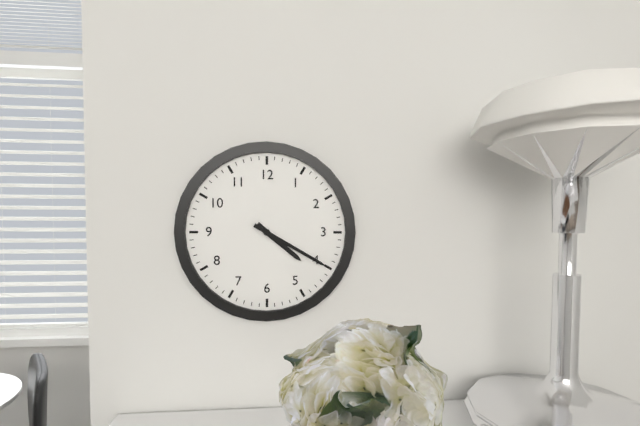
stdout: 4 h 20 min
